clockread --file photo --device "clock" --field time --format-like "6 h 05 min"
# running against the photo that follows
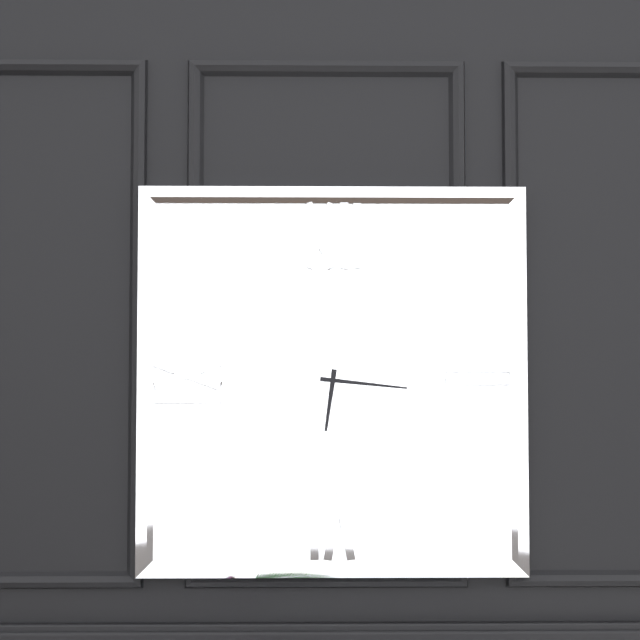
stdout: 6 h 16 min
